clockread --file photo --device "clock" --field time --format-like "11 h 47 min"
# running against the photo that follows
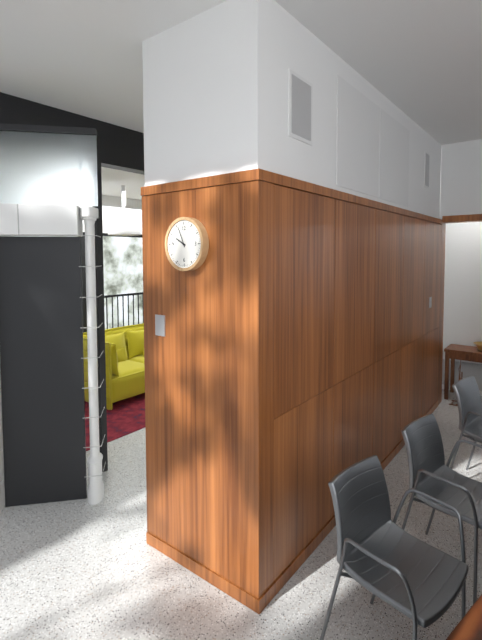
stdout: 9 h 56 min
